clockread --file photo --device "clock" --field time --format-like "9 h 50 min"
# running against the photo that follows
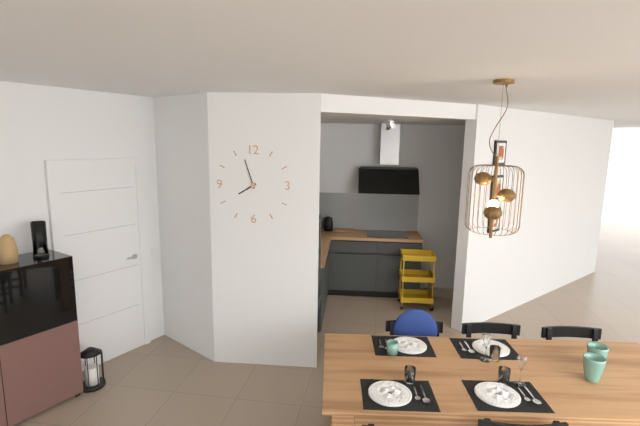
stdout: 7 h 57 min
